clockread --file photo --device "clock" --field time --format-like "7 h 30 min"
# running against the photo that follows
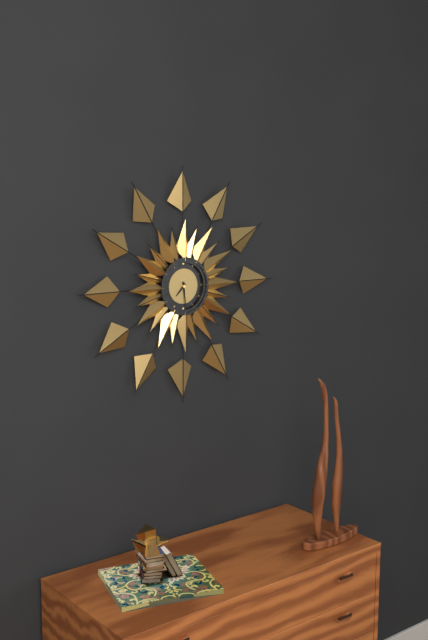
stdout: 7 h 29 min
